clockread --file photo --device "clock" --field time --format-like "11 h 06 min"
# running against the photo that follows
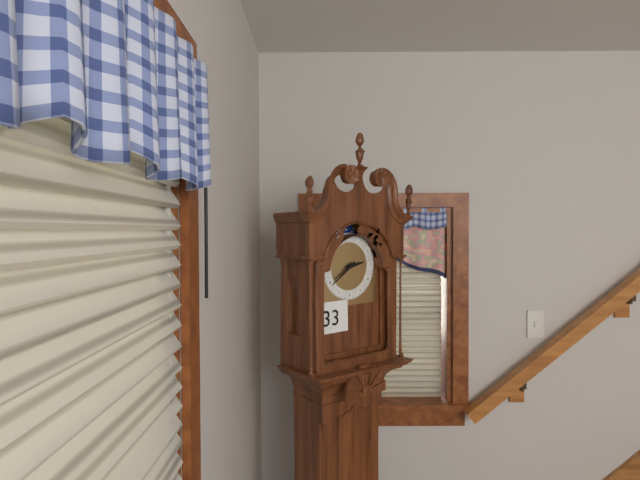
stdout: 2 h 39 min
